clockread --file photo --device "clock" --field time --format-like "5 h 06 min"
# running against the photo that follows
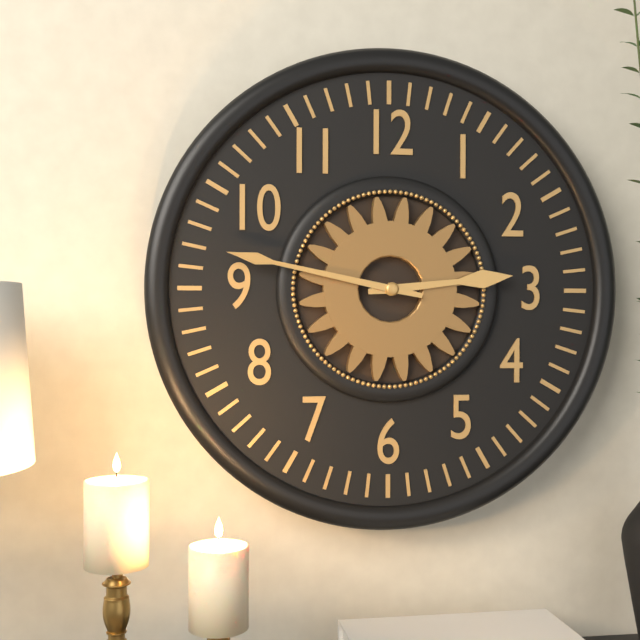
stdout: 2 h 47 min
